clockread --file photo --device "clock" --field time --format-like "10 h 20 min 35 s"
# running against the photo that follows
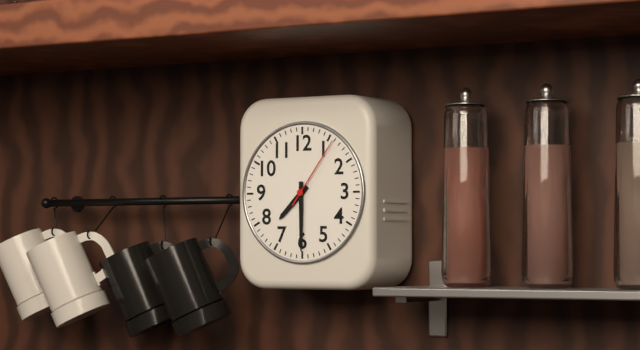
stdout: 7 h 30 min 06 s
